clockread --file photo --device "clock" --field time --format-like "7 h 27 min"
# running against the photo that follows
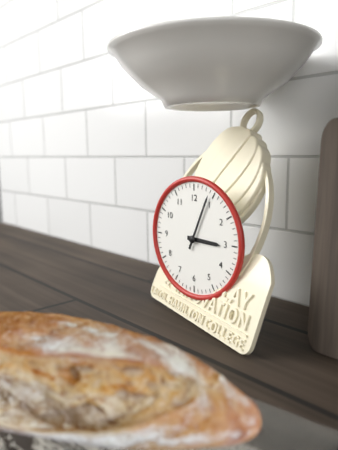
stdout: 3 h 04 min
